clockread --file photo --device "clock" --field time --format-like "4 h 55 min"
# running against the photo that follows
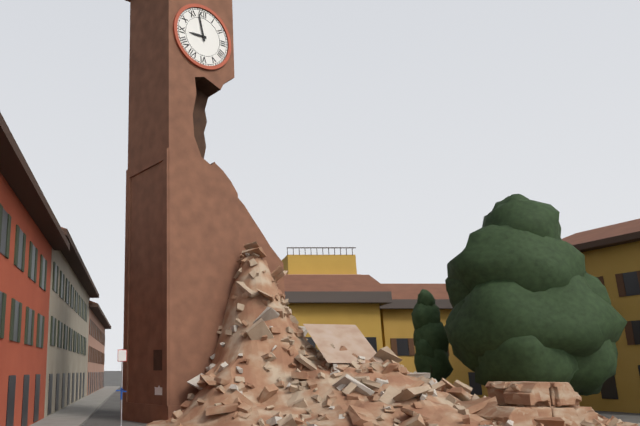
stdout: 8 h 58 min
